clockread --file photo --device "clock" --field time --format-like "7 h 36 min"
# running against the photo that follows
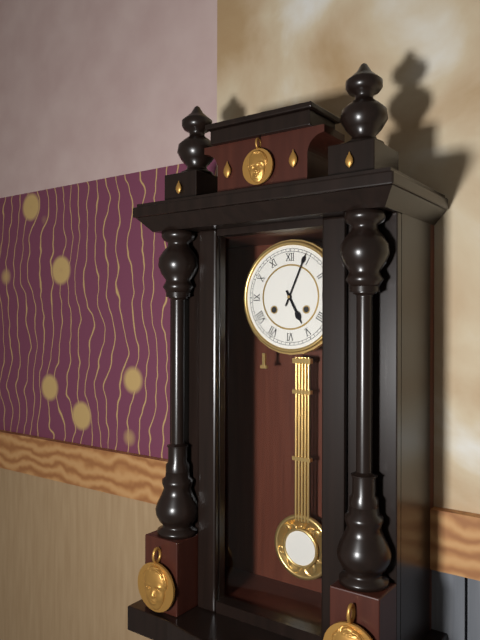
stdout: 5 h 04 min
